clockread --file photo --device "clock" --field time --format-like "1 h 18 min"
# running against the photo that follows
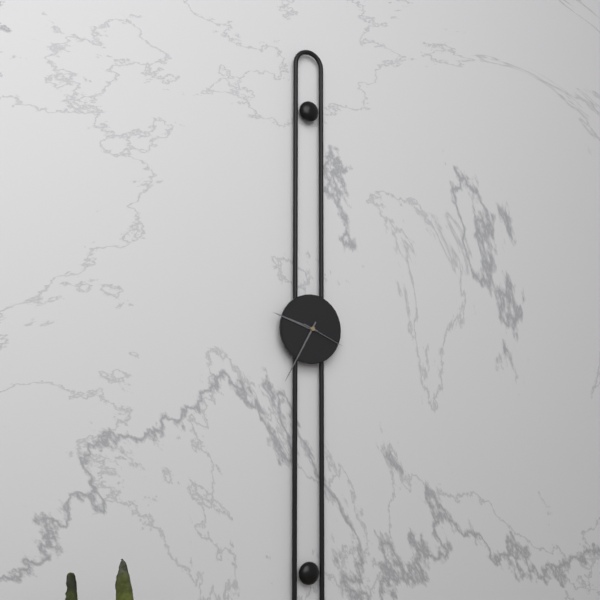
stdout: 9 h 35 min
